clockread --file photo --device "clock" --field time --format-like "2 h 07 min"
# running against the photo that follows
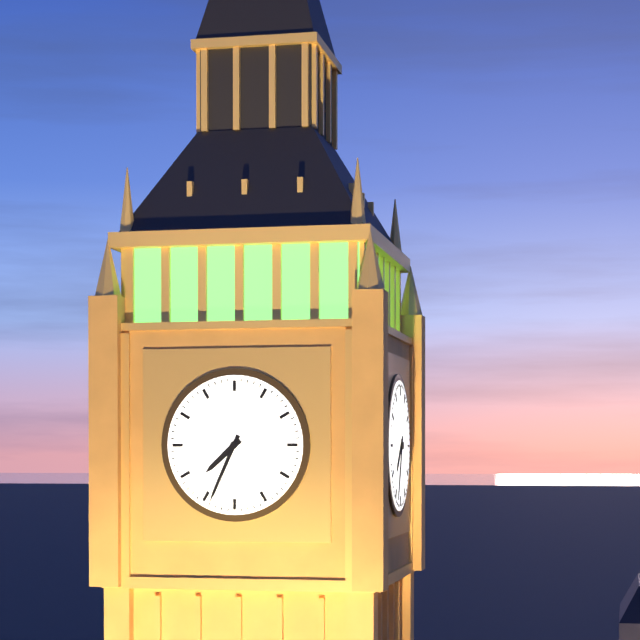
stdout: 7 h 34 min
